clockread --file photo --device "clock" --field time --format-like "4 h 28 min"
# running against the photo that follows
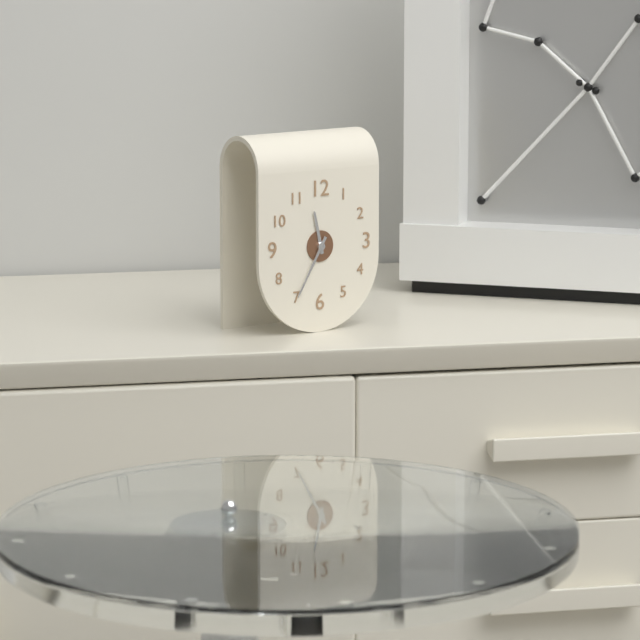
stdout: 11 h 35 min
